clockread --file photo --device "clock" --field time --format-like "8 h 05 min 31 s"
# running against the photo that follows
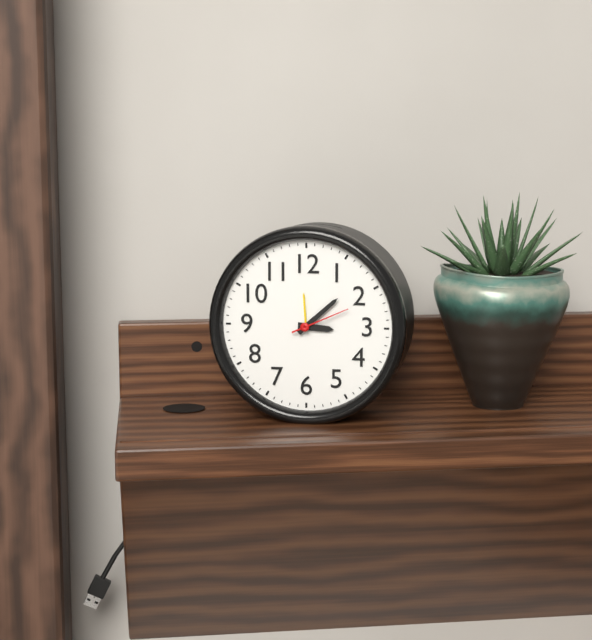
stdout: 3 h 08 min 11 s
